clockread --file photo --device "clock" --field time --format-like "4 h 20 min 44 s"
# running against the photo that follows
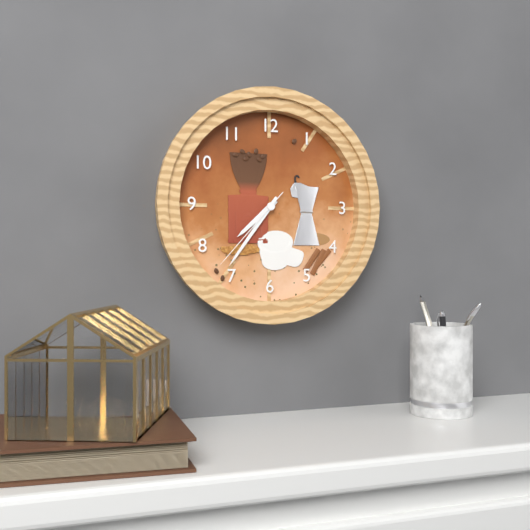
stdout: 7 h 36 min 37 s
